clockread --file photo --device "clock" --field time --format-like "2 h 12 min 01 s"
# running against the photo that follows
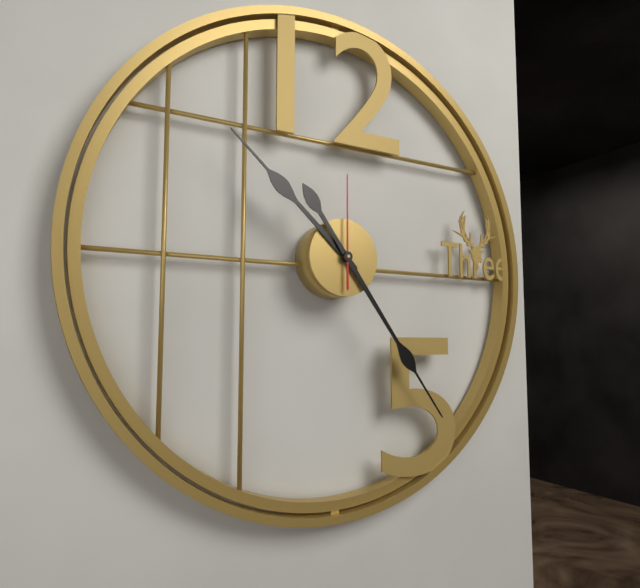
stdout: 10 h 24 min 00 s
